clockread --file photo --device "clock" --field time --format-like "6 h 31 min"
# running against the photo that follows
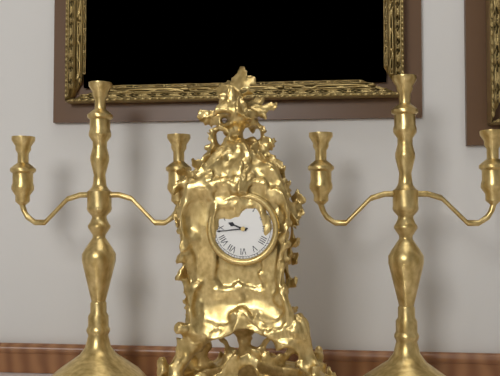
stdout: 9 h 44 min
